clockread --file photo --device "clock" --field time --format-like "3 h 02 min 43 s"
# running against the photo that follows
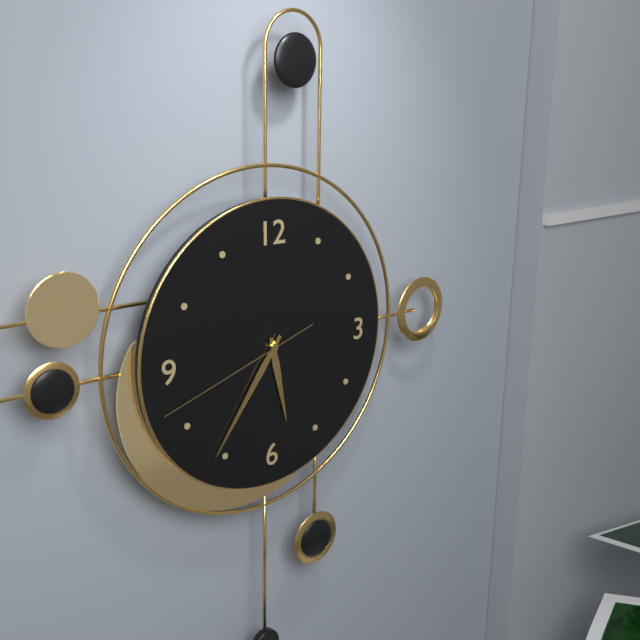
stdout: 5 h 36 min 42 s
